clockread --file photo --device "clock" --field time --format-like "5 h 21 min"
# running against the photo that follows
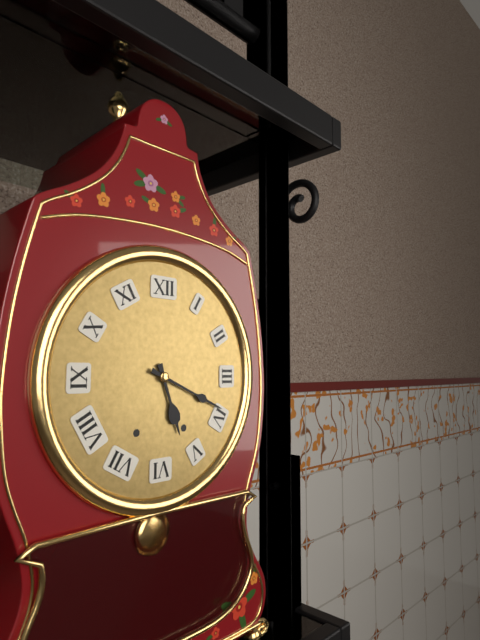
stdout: 5 h 19 min
